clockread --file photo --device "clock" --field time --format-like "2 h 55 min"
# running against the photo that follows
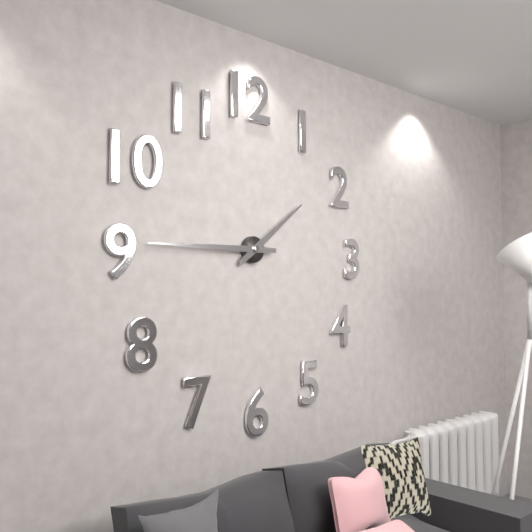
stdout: 1 h 45 min
